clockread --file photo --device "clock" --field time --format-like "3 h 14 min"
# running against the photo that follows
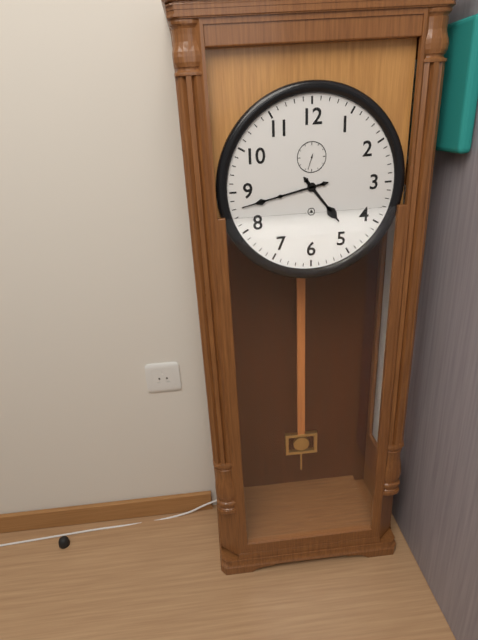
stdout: 4 h 43 min
